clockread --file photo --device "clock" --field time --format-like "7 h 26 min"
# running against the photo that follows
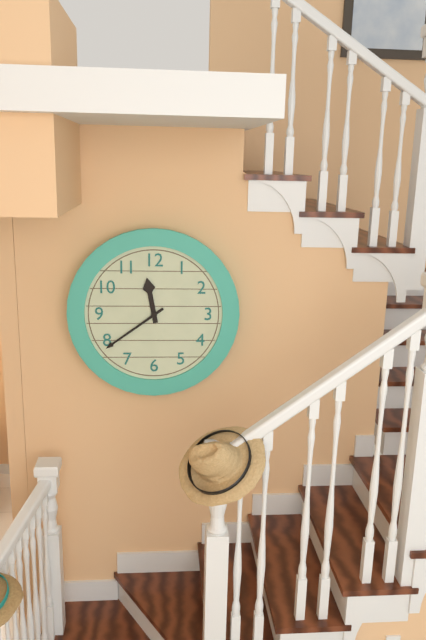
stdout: 11 h 39 min
